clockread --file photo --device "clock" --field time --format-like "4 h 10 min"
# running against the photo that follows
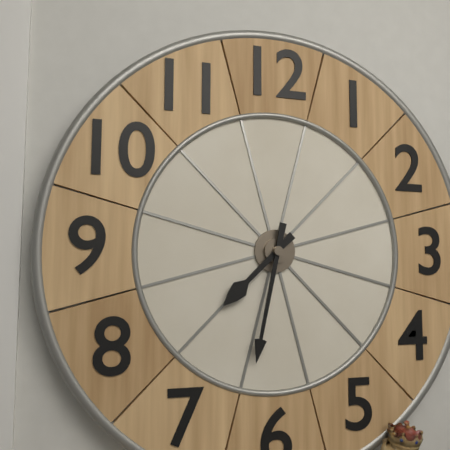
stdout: 7 h 32 min
